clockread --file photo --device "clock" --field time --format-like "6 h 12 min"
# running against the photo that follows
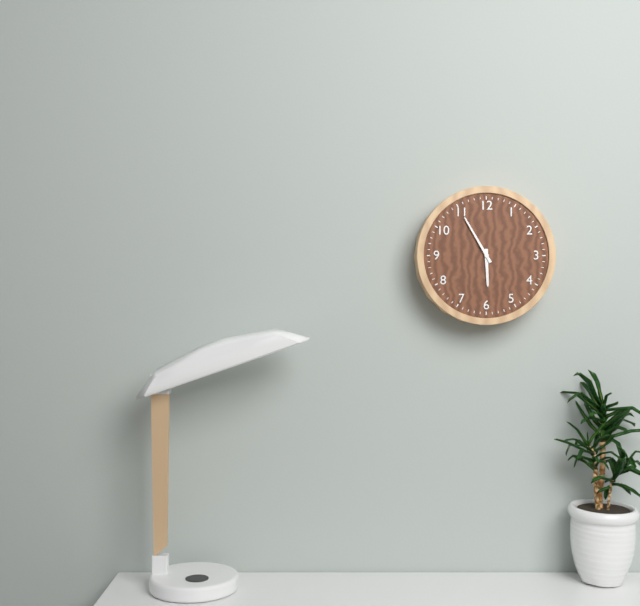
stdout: 5 h 55 min
